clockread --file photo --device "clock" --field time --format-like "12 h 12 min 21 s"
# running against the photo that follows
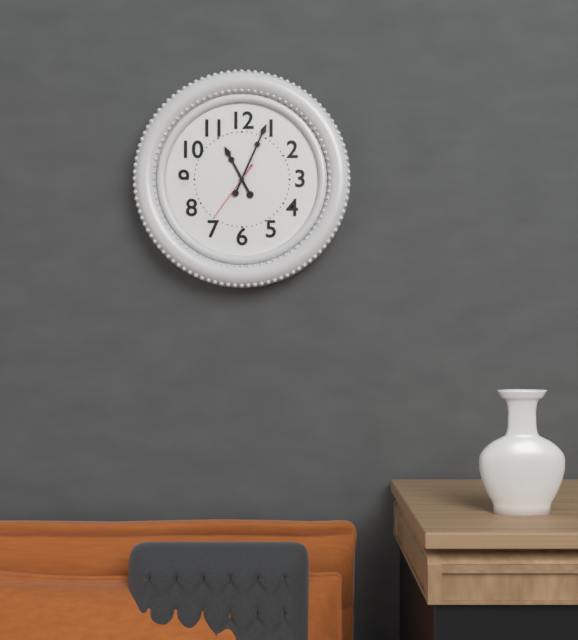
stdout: 11 h 04 min 36 s
